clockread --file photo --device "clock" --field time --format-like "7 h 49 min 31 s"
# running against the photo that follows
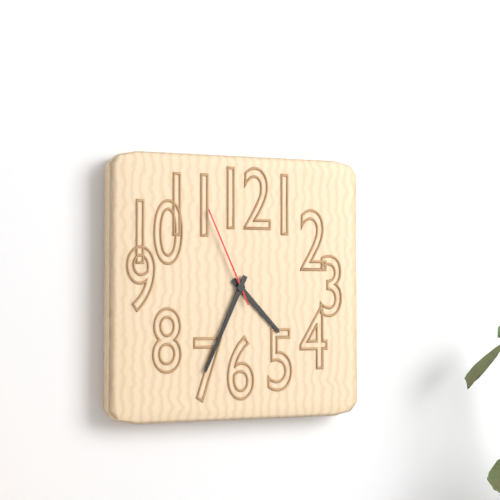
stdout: 4 h 34 min 56 s
